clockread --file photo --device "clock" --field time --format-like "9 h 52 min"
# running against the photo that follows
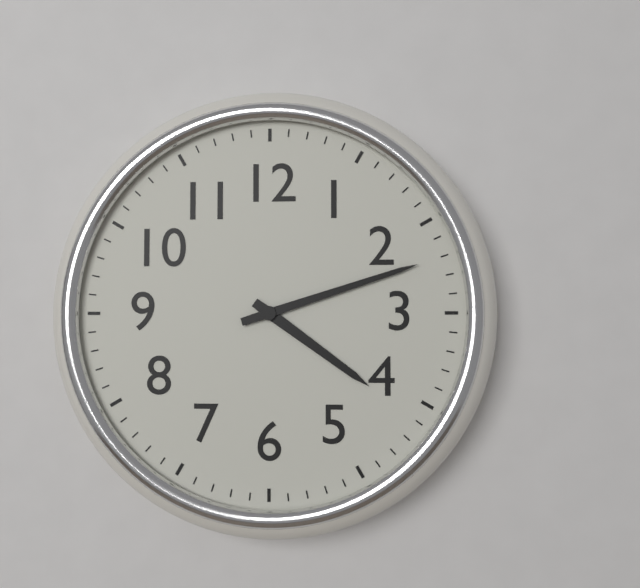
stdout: 4 h 12 min
